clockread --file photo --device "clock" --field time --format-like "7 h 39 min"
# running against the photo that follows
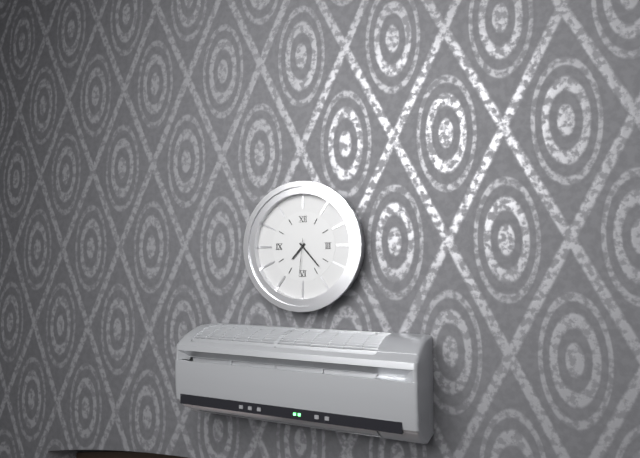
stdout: 7 h 23 min
